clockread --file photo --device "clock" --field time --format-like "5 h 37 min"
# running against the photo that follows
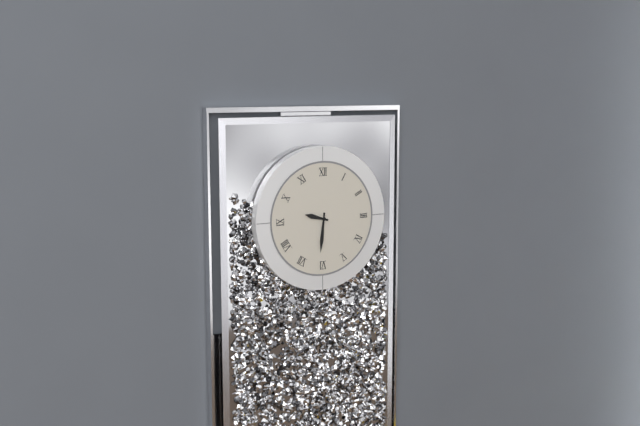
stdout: 9 h 31 min
